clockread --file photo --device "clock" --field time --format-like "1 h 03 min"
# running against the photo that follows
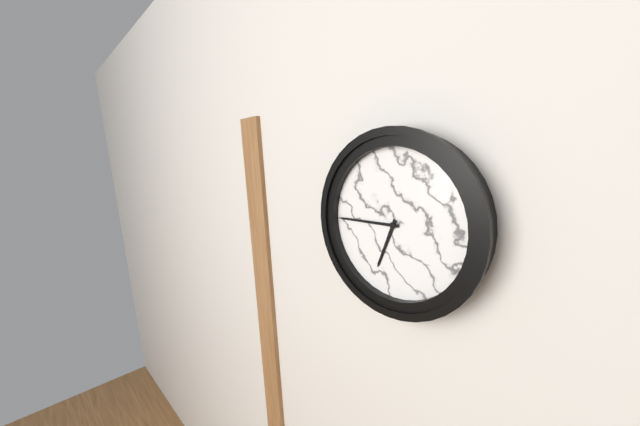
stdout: 6 h 45 min
